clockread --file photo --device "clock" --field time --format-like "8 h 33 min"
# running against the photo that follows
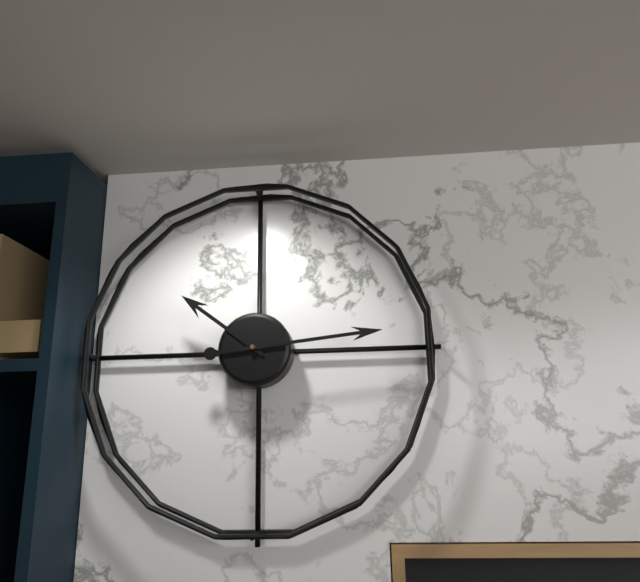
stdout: 10 h 14 min
